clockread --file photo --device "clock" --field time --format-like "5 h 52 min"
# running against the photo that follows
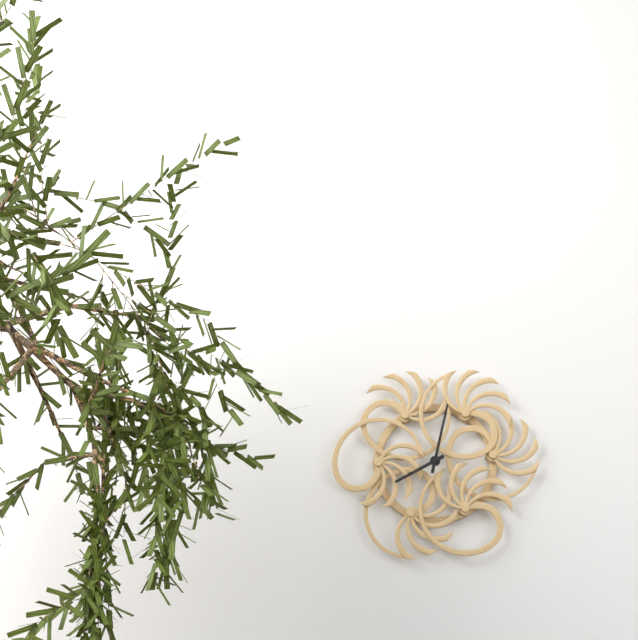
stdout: 8 h 02 min
